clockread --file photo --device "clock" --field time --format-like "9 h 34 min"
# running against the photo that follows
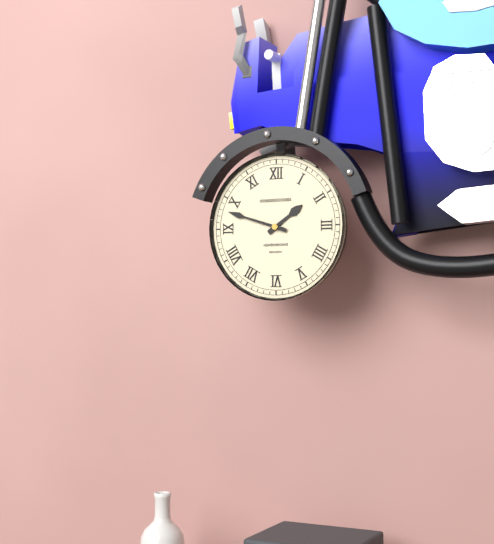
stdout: 1 h 48 min
